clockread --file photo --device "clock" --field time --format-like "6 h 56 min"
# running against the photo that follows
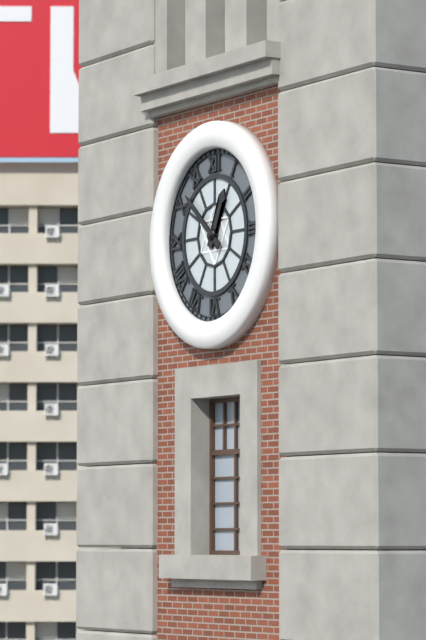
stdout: 12 h 52 min
